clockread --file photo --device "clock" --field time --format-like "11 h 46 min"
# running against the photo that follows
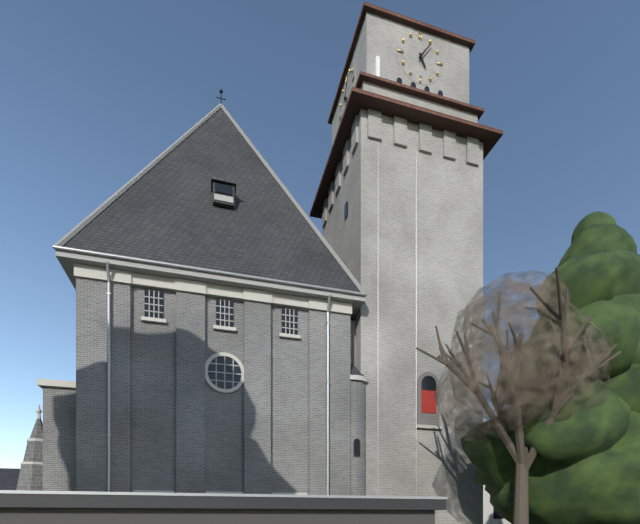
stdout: 5 h 06 min
